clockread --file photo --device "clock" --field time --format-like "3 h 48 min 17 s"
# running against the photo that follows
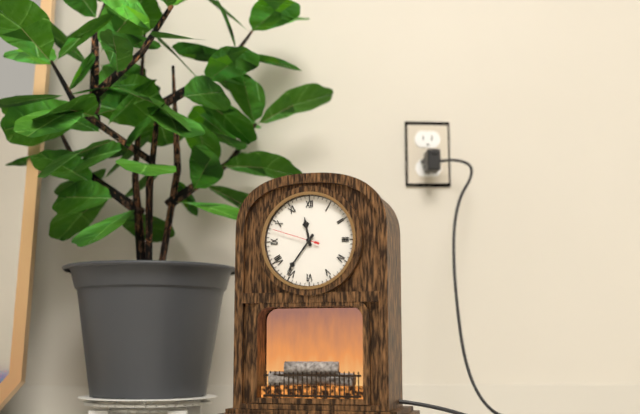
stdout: 11 h 36 min 48 s
